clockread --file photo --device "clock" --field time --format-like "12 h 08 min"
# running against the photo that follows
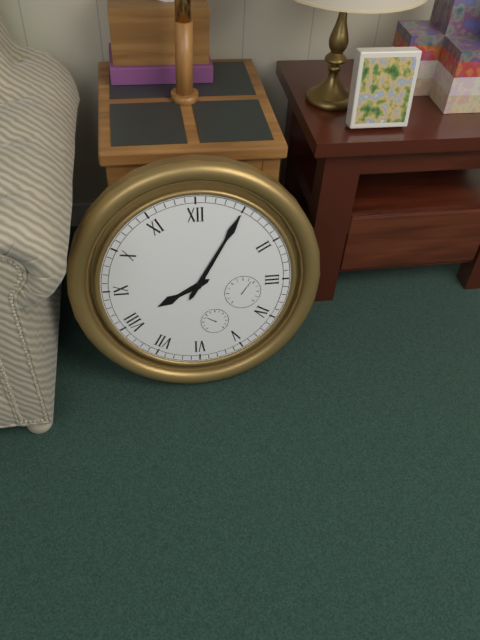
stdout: 8 h 05 min
